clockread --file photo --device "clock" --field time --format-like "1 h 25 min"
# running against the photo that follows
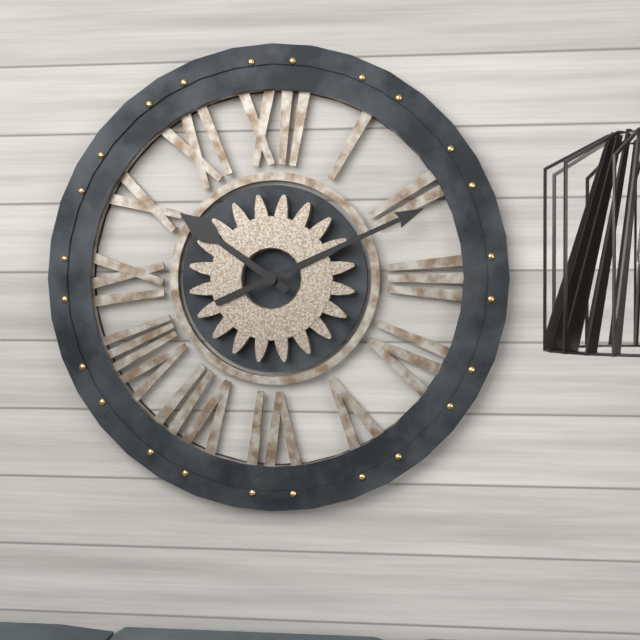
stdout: 10 h 11 min
